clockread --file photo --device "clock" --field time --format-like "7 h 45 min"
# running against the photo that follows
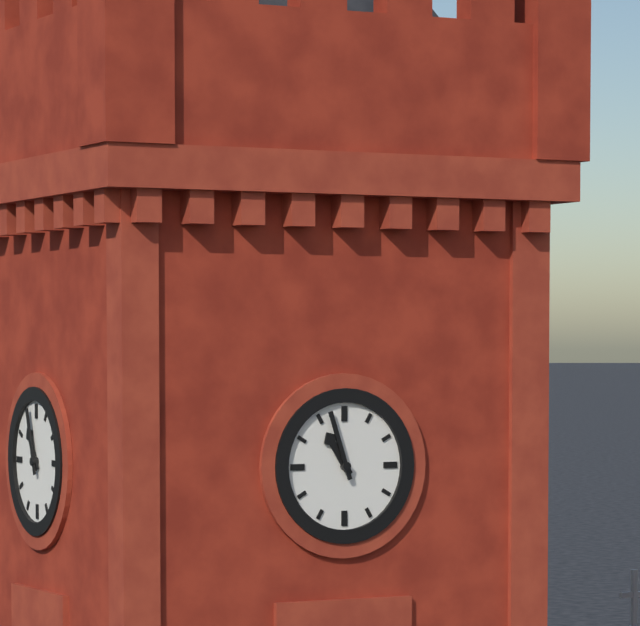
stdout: 10 h 57 min
